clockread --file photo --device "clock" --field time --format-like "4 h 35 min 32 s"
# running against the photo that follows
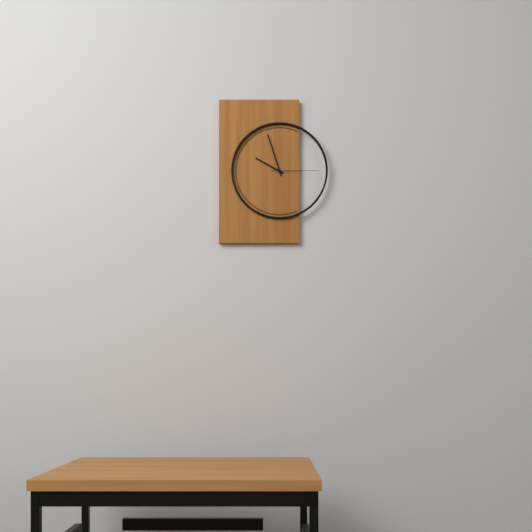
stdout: 9 h 57 min 15 s
